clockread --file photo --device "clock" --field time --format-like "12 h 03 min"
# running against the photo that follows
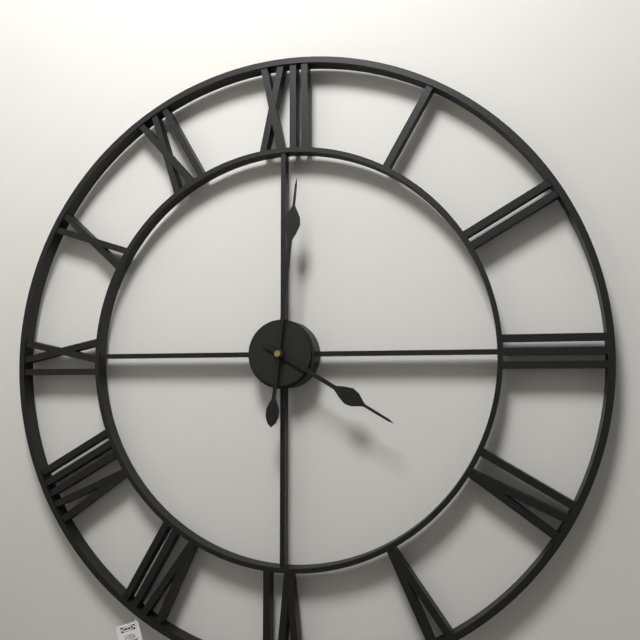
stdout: 4 h 01 min
